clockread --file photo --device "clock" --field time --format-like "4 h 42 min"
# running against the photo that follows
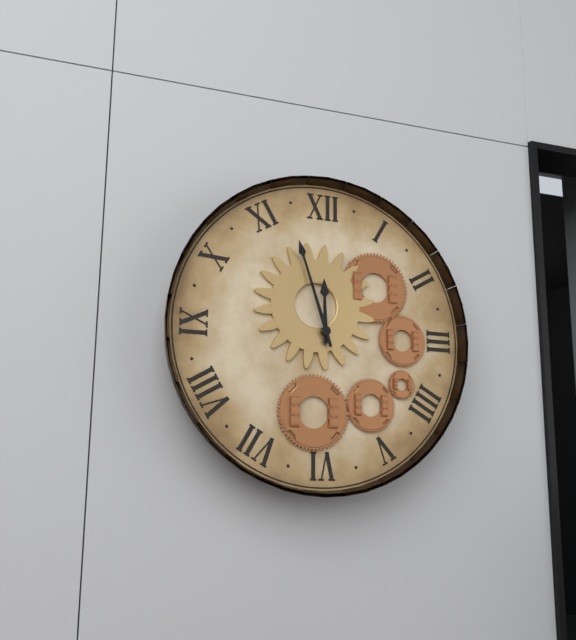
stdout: 11 h 57 min
